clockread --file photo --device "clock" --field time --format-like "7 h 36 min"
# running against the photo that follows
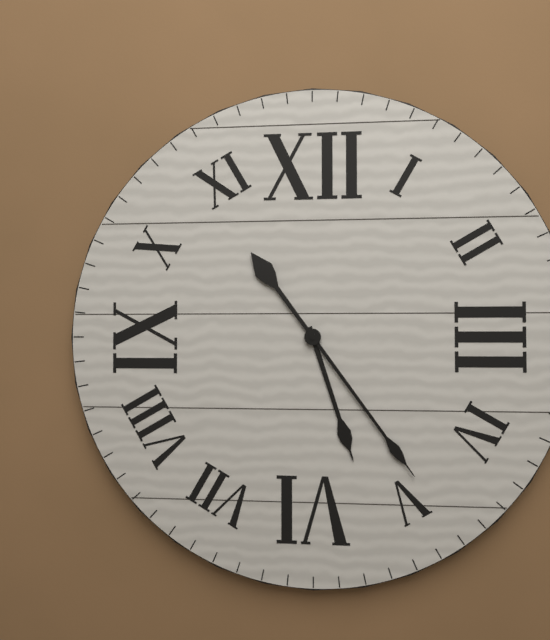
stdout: 5 h 24 min
